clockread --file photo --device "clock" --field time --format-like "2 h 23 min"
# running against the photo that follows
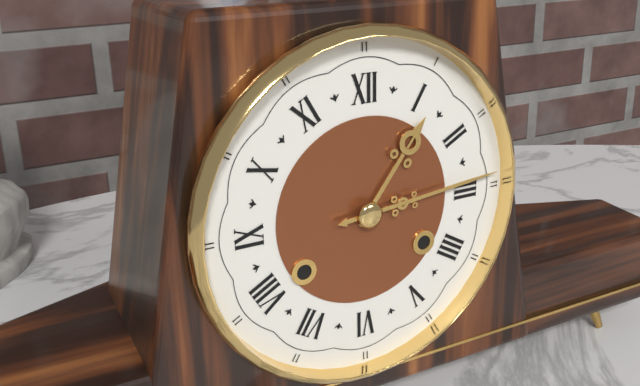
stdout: 1 h 14 min
